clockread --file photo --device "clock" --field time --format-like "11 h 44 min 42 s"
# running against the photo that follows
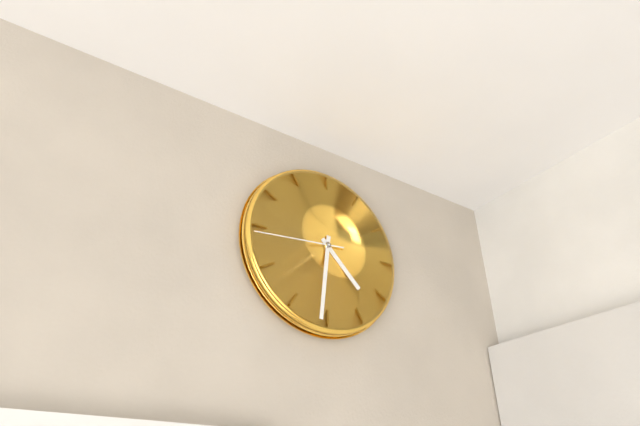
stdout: 4 h 31 min 44 s
